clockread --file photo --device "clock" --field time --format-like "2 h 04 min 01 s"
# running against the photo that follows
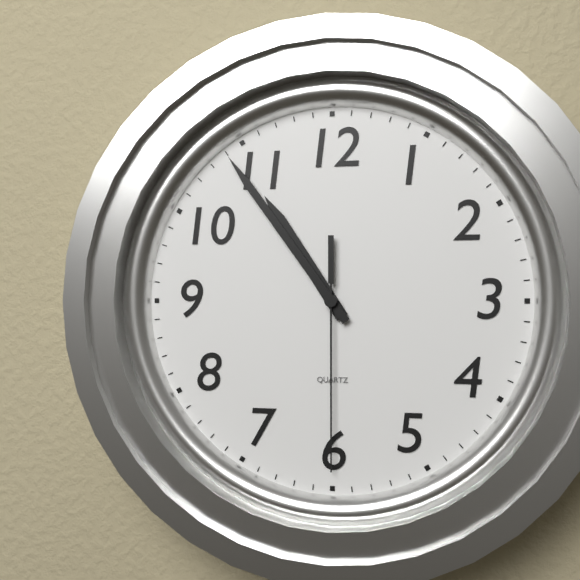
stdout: 10 h 54 min 30 s
